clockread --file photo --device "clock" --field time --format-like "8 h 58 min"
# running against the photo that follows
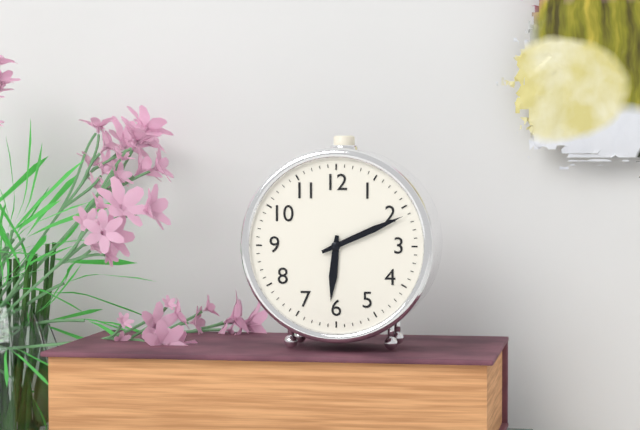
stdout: 6 h 11 min
